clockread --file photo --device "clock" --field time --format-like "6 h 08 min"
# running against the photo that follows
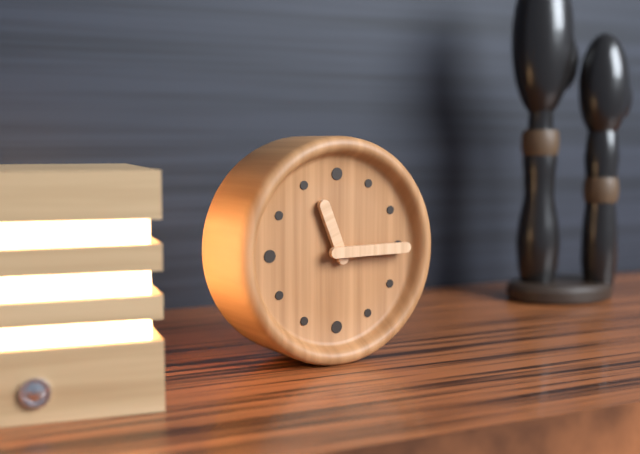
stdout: 11 h 15 min
